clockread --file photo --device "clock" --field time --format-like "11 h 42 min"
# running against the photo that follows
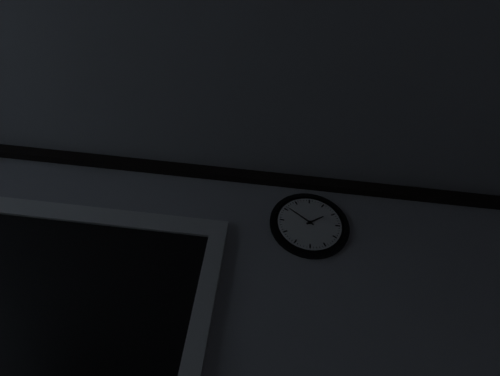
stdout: 1 h 51 min
